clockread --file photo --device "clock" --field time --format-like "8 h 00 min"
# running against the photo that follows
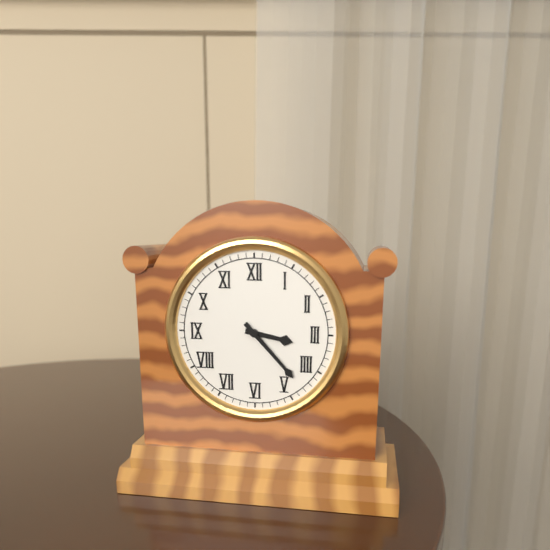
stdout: 3 h 23 min
